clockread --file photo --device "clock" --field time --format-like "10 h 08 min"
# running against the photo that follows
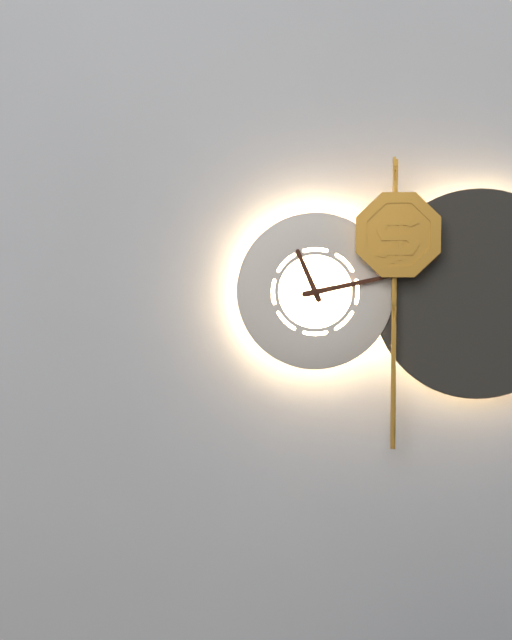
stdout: 11 h 13 min
